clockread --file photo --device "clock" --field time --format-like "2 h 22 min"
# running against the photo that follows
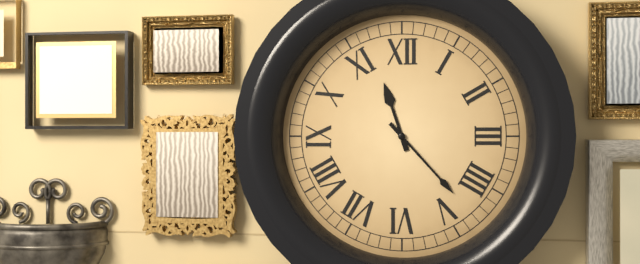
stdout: 11 h 23 min
